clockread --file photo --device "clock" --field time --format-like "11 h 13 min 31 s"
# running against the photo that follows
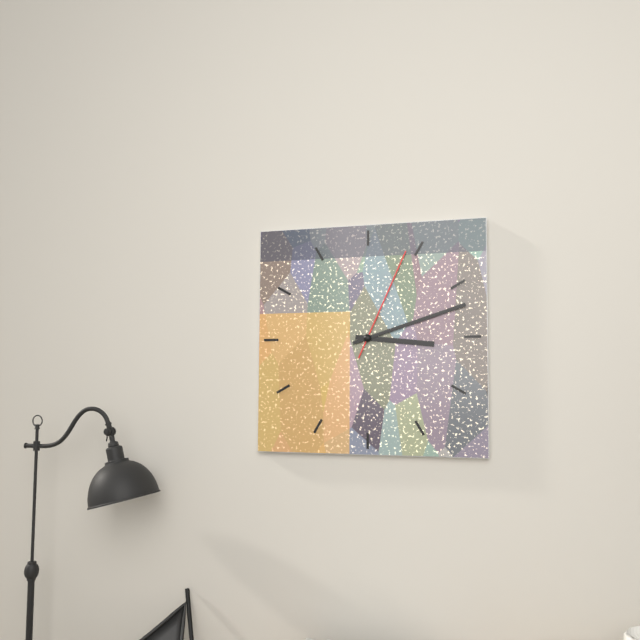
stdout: 3 h 12 min 04 s
